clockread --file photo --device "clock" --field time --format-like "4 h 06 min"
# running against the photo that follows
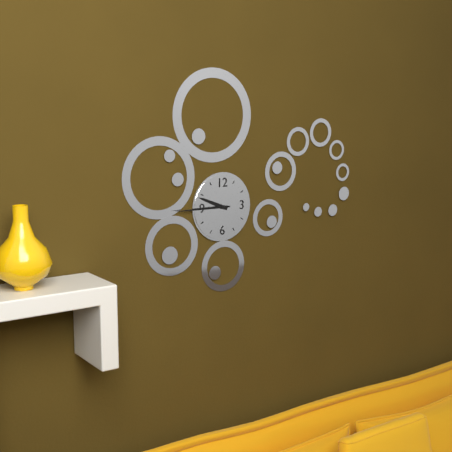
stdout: 9 h 45 min
